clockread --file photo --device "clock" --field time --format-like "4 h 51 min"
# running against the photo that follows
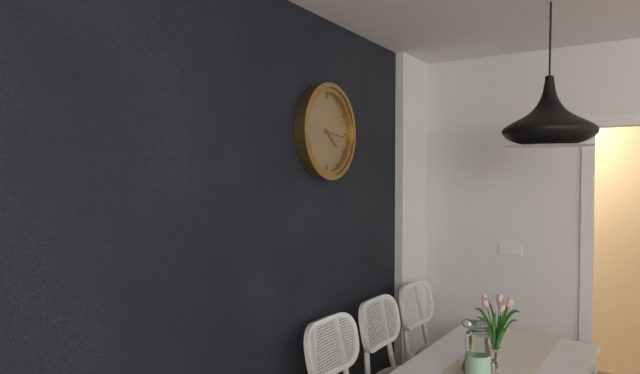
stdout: 4 h 16 min
